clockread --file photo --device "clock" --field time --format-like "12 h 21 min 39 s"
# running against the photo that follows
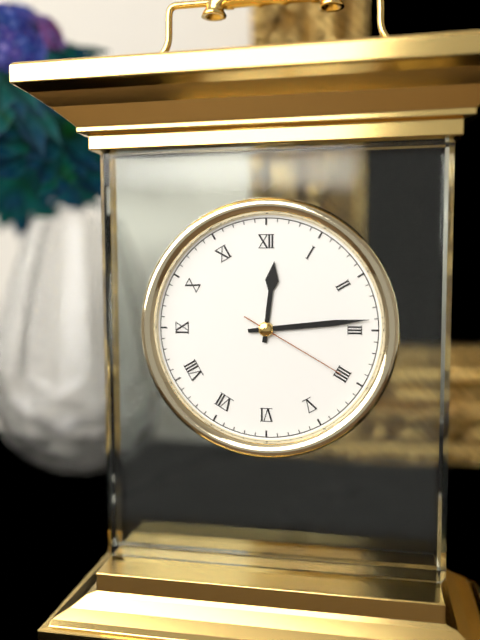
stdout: 12 h 14 min 20 s
